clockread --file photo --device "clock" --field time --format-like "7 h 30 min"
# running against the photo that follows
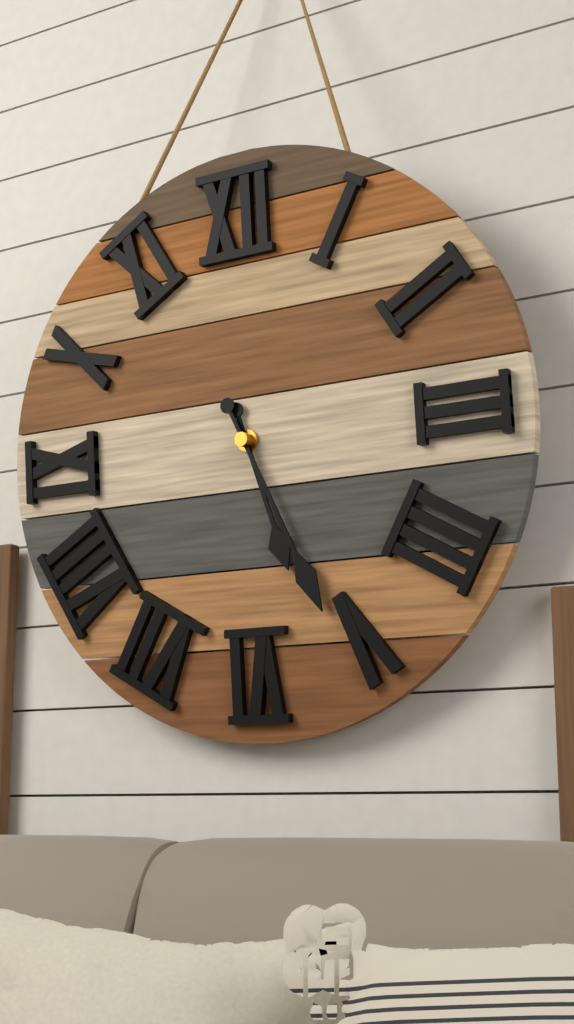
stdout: 5 h 26 min
